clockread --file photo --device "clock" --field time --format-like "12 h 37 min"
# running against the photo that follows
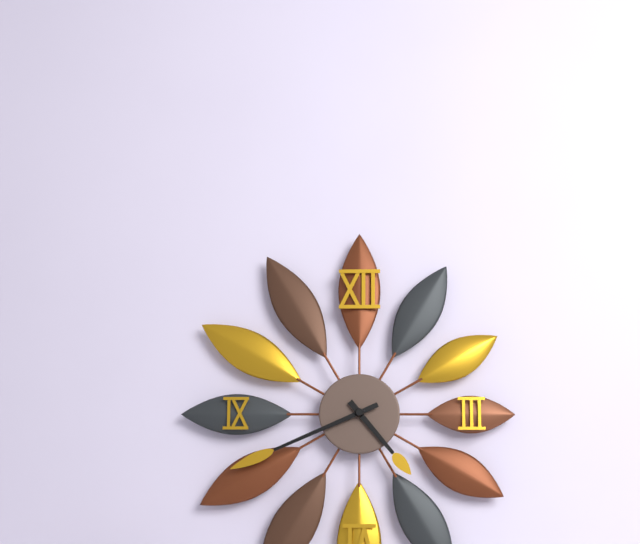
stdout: 4 h 41 min
